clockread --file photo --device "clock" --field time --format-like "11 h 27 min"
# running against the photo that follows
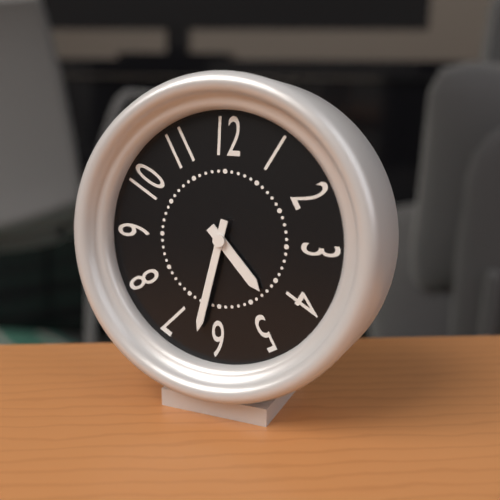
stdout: 4 h 32 min
